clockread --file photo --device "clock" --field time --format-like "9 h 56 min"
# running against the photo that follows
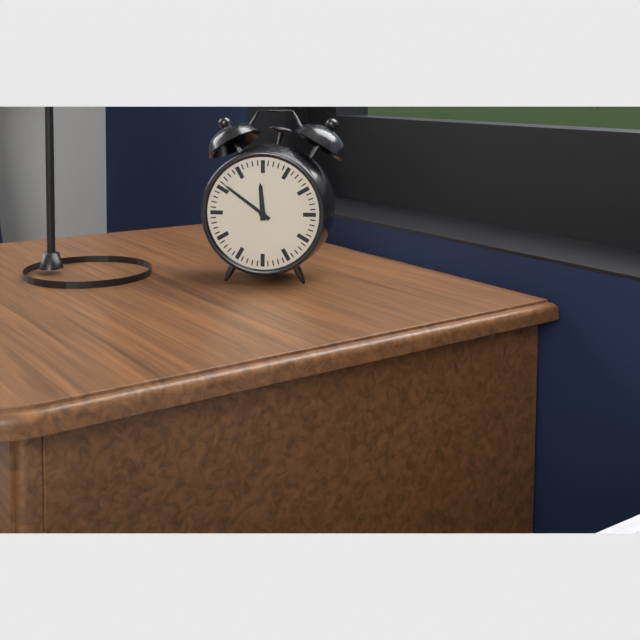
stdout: 11 h 51 min
